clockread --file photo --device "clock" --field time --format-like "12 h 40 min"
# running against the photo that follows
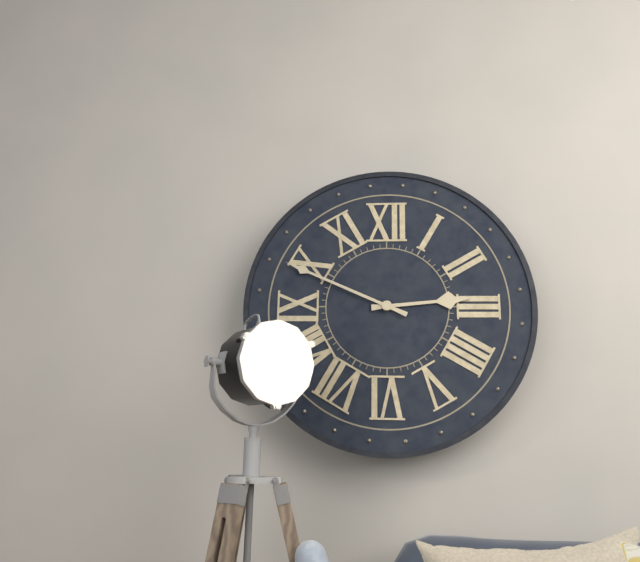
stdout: 2 h 49 min
